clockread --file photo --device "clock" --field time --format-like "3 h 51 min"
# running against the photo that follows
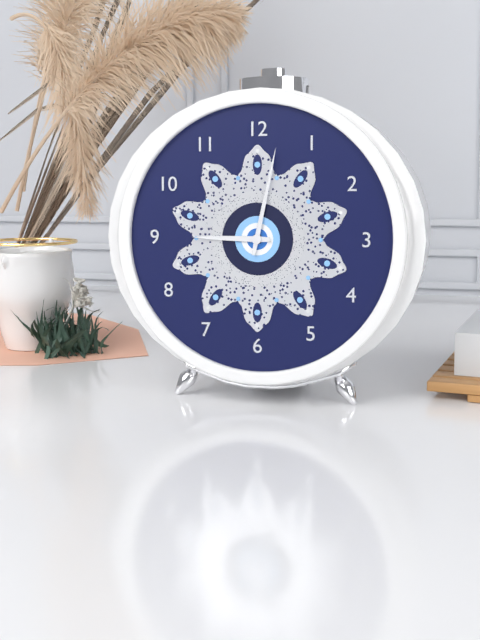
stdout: 9 h 02 min
